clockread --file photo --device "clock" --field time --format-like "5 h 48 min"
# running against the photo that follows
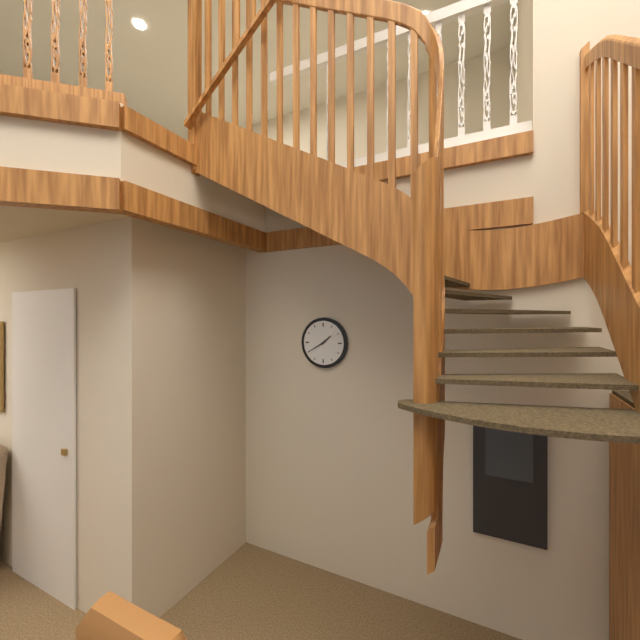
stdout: 1 h 40 min
